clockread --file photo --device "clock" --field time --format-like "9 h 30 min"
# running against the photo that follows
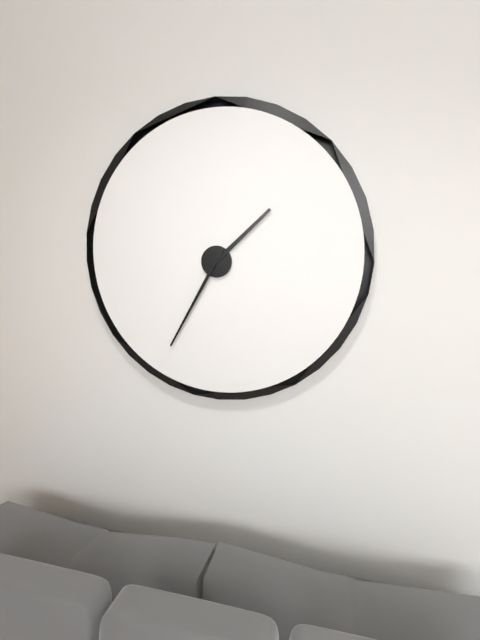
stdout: 1 h 35 min
